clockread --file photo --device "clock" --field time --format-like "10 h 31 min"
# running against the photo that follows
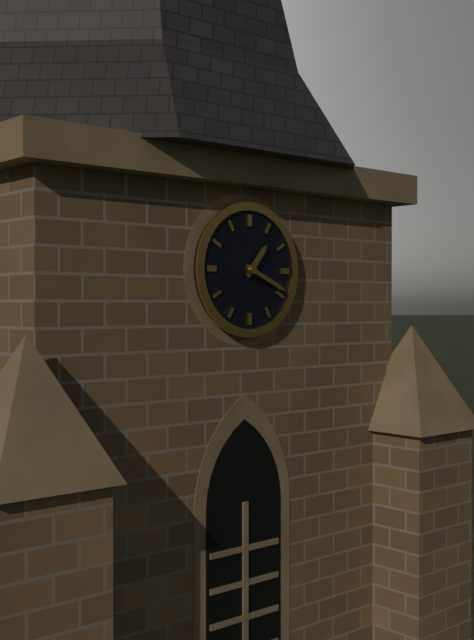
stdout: 1 h 19 min
